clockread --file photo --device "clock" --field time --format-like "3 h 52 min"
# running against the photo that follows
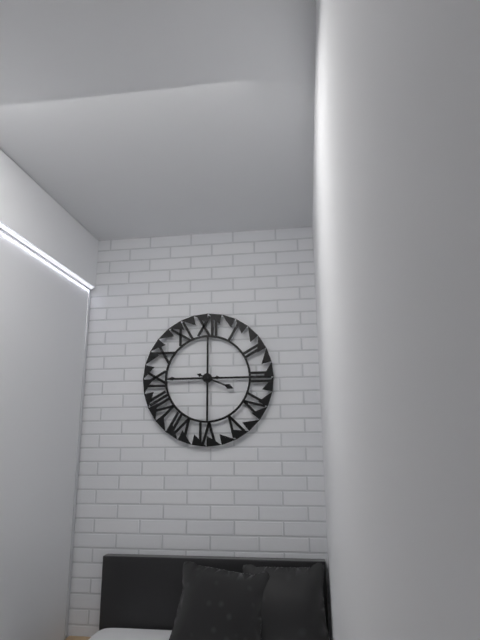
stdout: 3 h 45 min
